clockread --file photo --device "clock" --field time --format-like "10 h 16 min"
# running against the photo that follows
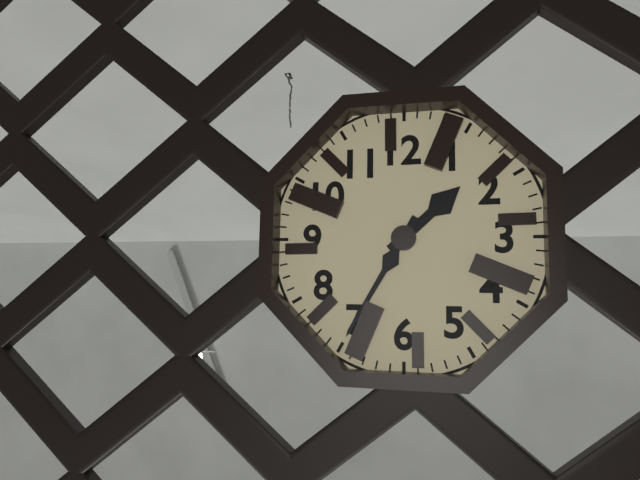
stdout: 1 h 35 min
